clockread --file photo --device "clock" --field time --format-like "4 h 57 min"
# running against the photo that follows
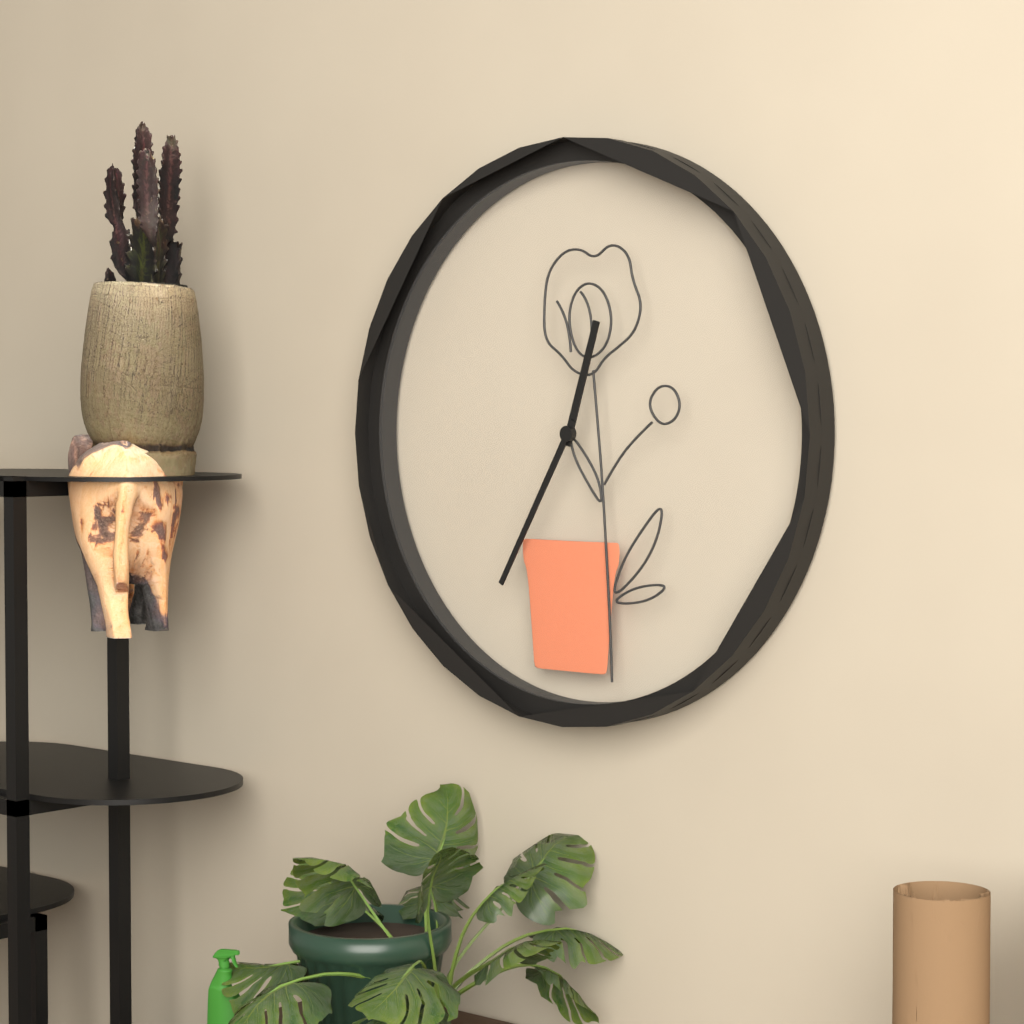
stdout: 12 h 35 min
